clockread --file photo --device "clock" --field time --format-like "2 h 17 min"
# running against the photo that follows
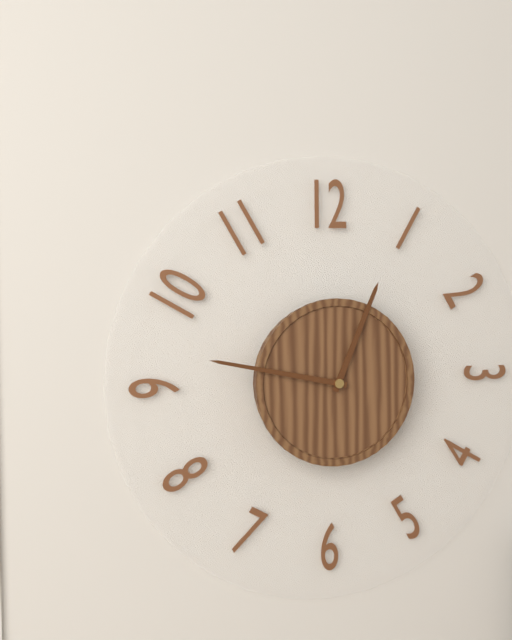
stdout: 12 h 47 min
